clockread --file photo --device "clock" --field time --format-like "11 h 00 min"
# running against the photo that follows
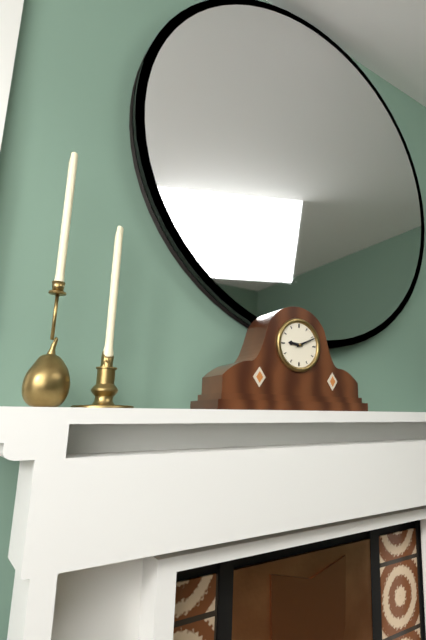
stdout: 9 h 11 min
